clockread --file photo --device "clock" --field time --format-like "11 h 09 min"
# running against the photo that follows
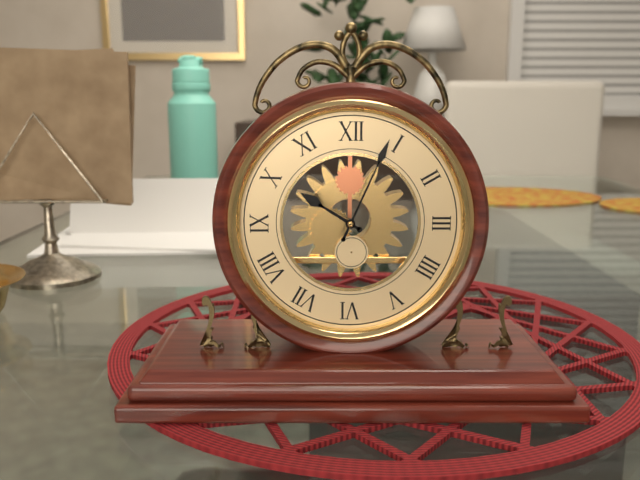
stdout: 10 h 04 min
